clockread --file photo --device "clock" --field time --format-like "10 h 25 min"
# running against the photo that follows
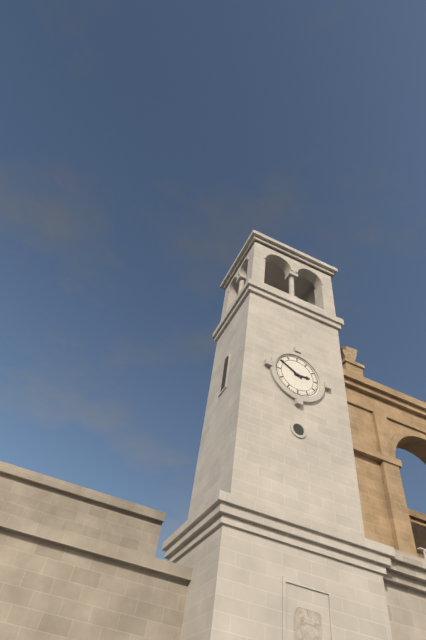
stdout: 2 h 50 min
